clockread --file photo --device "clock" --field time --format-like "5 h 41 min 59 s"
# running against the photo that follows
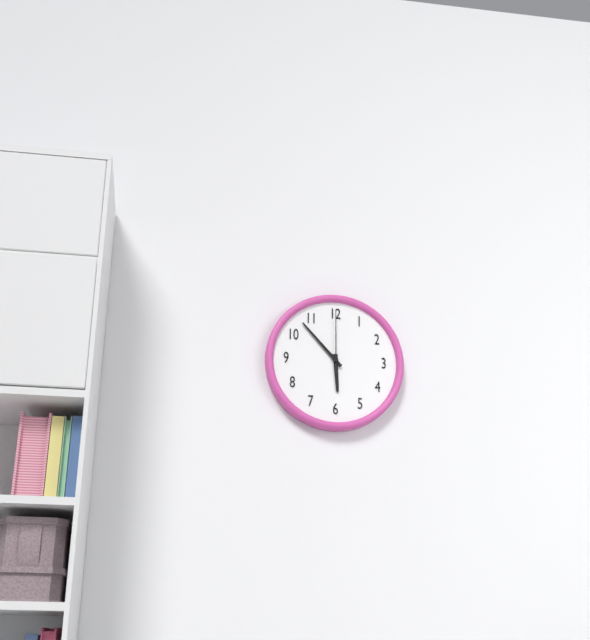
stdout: 5 h 53 min 00 s
